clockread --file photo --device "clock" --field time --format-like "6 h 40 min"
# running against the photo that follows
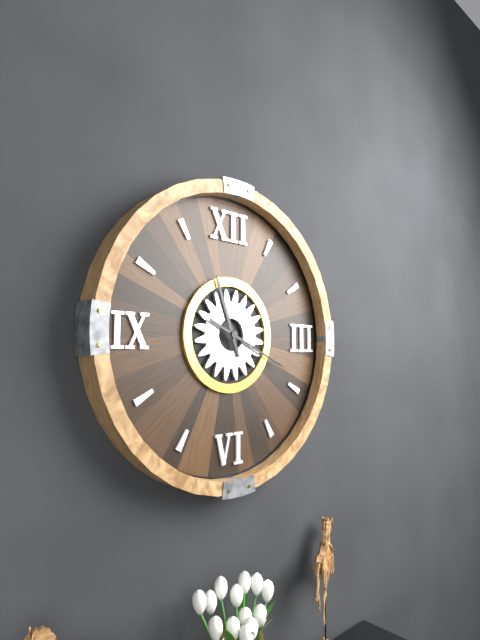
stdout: 11 h 19 min
